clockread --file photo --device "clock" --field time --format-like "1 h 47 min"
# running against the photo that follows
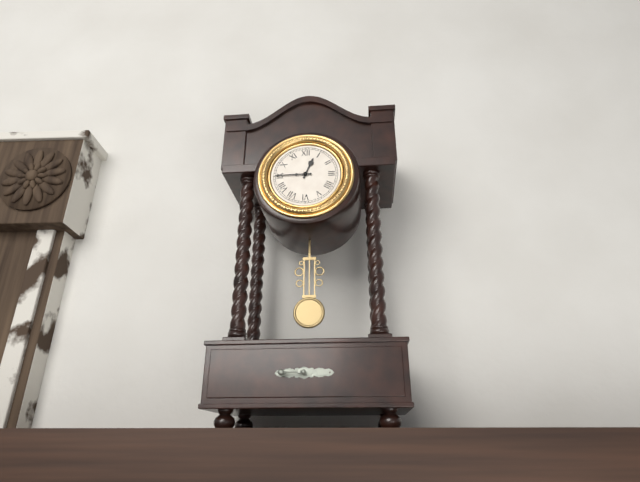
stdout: 12 h 45 min
